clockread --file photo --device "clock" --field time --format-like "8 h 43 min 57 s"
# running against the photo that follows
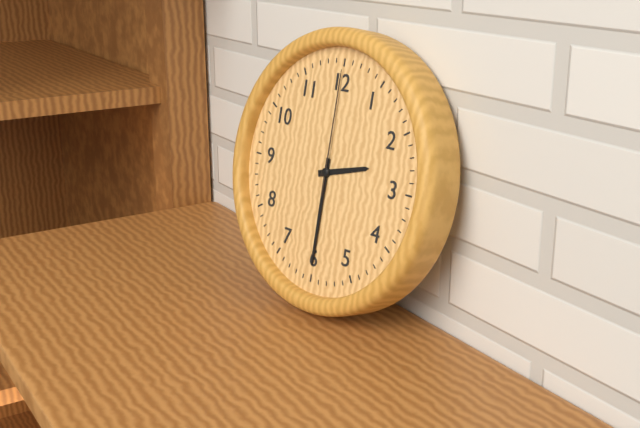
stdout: 2 h 30 min 00 s
